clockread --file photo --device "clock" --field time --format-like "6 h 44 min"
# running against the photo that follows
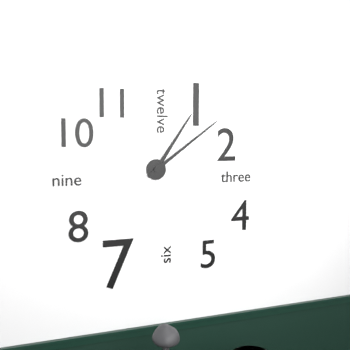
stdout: 1 h 09 min
